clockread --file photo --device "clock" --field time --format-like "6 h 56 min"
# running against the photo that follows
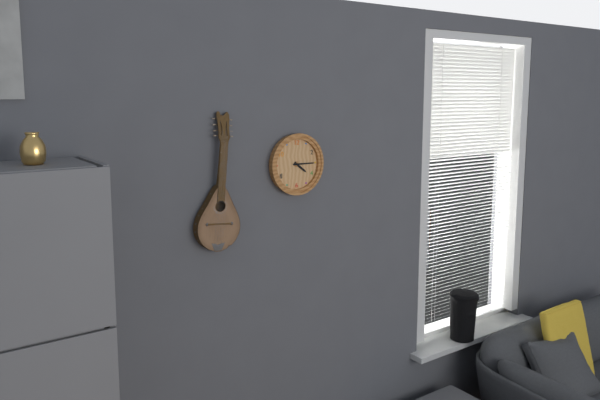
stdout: 4 h 15 min
